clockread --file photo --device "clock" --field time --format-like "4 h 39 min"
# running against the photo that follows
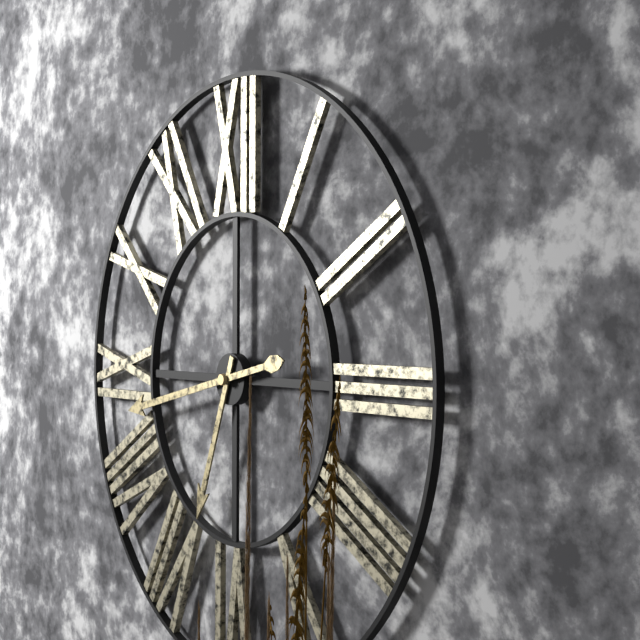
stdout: 6 h 43 min
